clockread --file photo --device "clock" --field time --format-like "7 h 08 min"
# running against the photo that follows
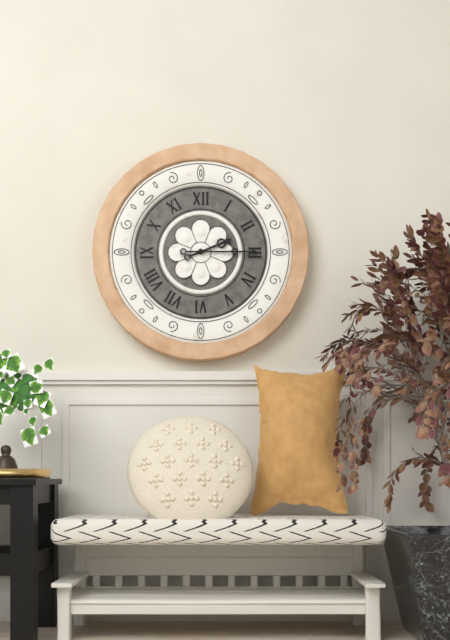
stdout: 2 h 15 min
